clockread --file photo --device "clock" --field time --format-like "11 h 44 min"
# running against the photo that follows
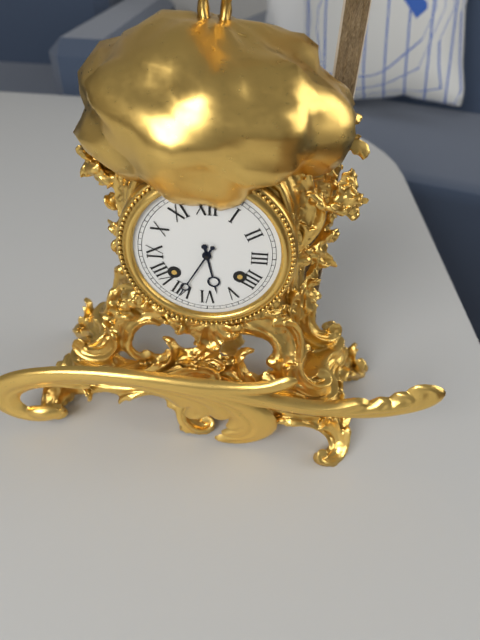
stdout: 5 h 35 min
